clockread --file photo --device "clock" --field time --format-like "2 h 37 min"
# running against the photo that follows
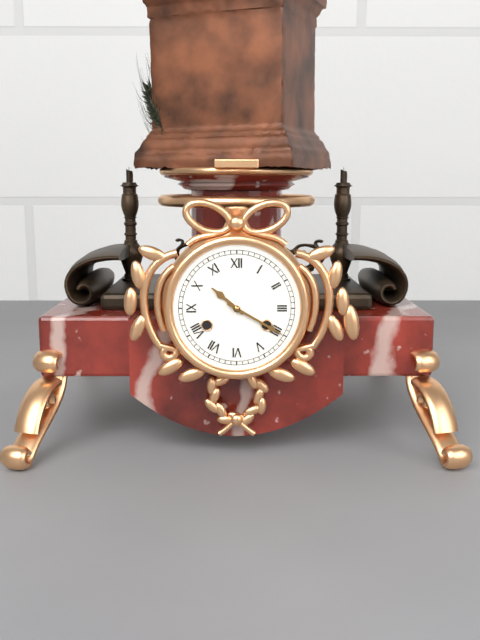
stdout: 10 h 20 min
